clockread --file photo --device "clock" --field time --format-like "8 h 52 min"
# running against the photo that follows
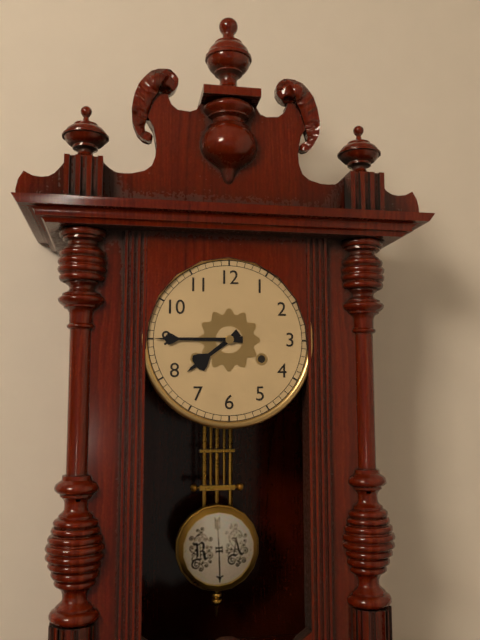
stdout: 7 h 45 min
